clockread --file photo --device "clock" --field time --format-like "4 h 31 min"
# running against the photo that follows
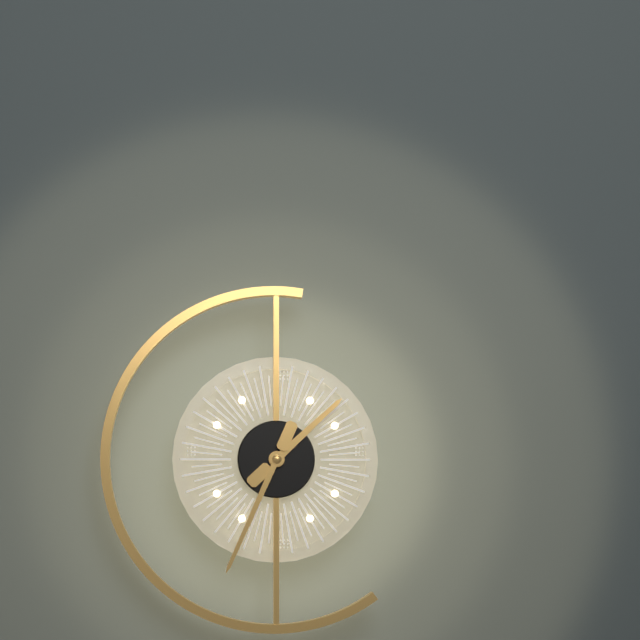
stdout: 1 h 34 min
